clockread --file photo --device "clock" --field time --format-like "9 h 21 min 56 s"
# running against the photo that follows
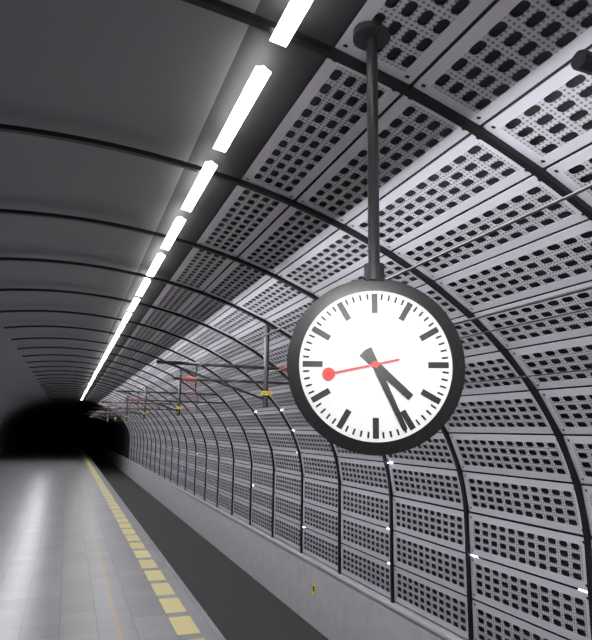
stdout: 4 h 26 min 43 s
